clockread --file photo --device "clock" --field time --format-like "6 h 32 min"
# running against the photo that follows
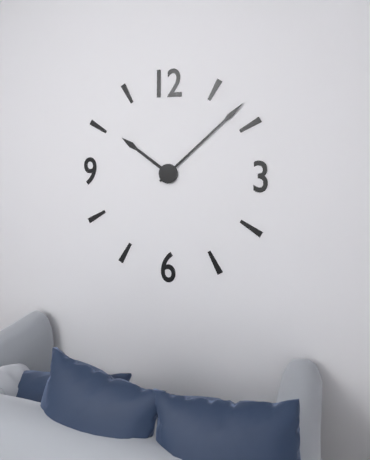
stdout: 10 h 08 min
